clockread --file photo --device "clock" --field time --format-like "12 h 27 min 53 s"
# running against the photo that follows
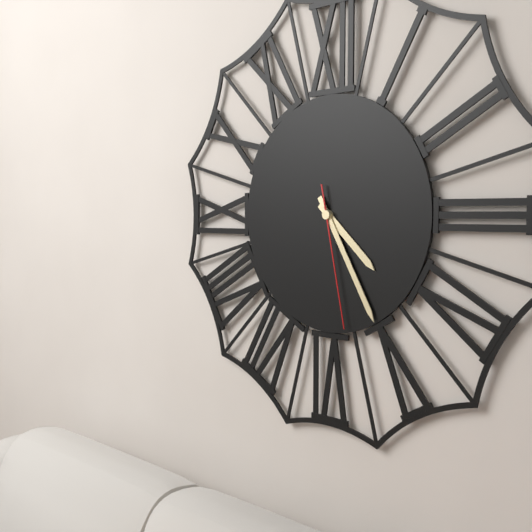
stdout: 4 h 25 min 28 s
